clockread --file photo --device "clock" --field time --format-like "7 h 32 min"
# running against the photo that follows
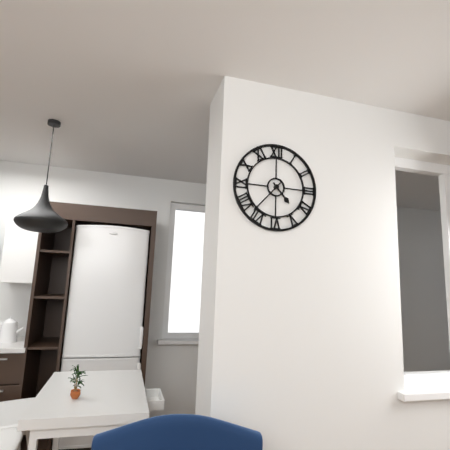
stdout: 4 h 37 min
